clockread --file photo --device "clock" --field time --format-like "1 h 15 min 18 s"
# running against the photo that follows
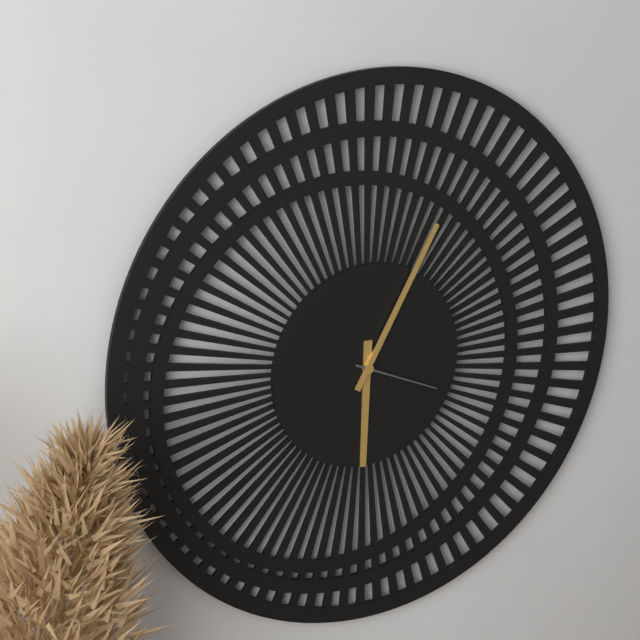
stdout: 6 h 05 min 19 s
